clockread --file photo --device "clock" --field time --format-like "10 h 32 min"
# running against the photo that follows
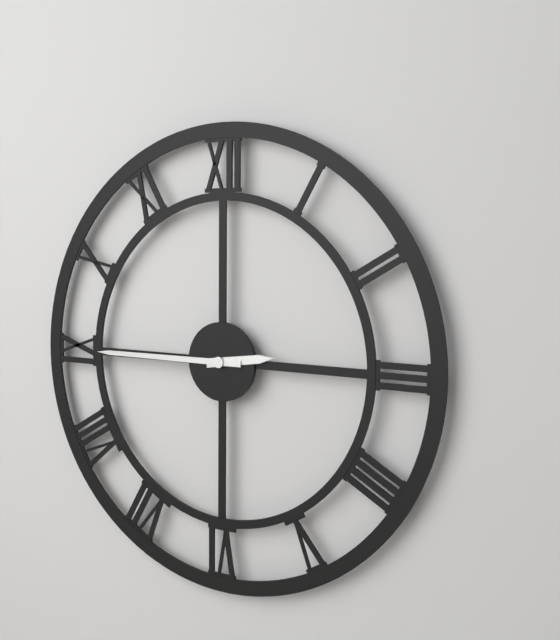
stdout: 2 h 45 min
